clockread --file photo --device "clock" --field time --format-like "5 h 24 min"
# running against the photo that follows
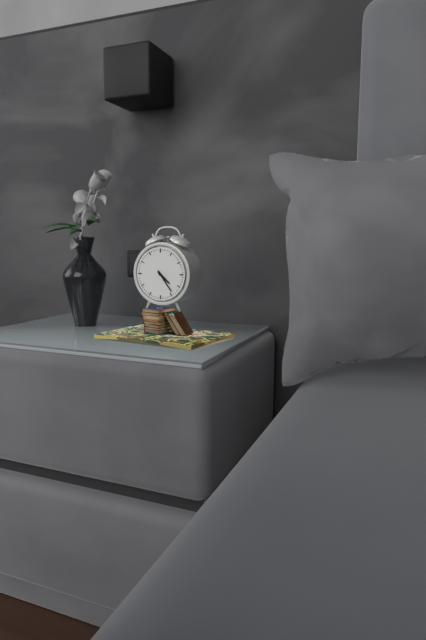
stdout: 4 h 24 min
